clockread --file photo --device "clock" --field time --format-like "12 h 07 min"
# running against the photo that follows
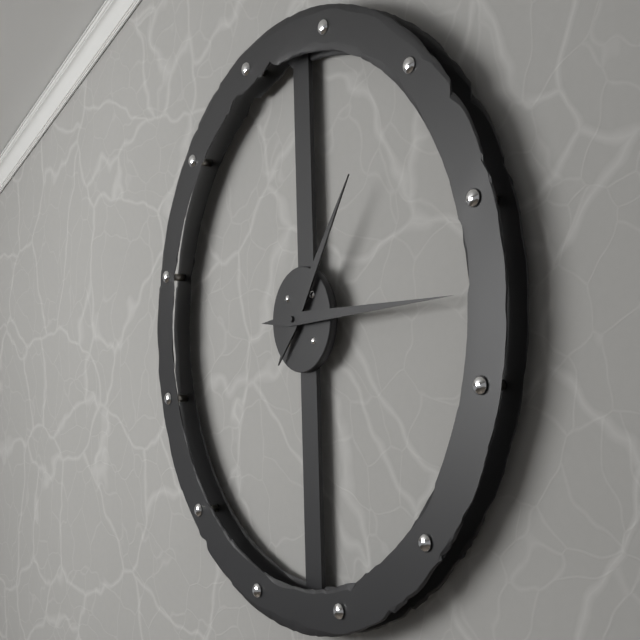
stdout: 1 h 15 min
